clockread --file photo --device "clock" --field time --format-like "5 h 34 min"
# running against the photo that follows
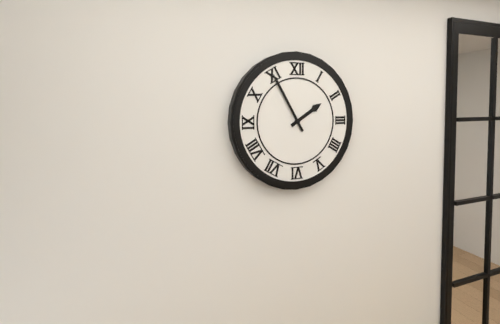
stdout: 1 h 55 min
